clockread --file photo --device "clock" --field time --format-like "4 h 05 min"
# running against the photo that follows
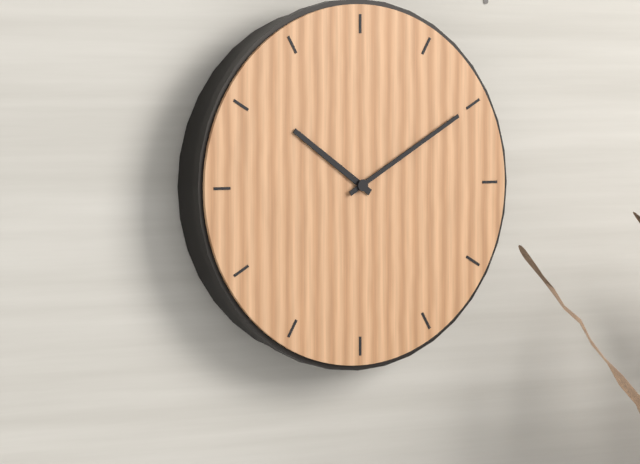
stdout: 10 h 10 min
